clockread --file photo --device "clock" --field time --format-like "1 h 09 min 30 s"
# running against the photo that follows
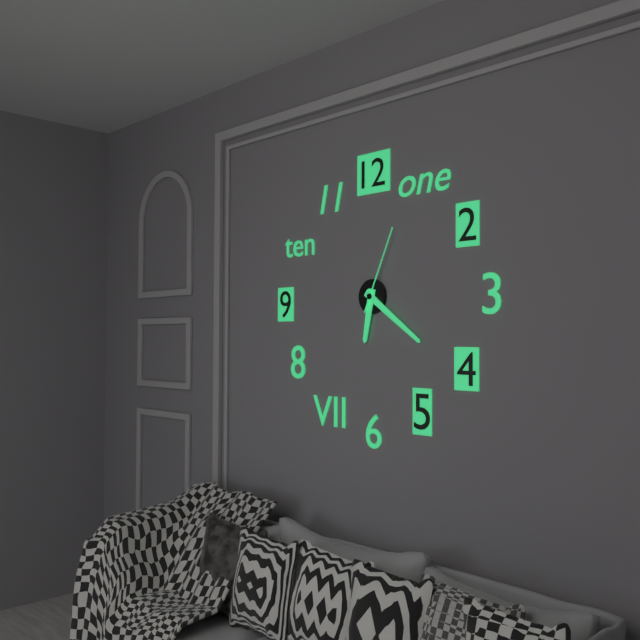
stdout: 6 h 21 min 04 s
